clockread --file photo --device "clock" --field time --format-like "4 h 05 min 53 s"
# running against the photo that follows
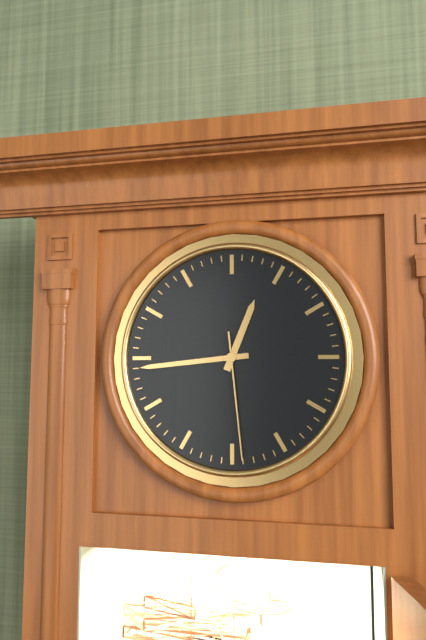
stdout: 12 h 44 min 29 s
